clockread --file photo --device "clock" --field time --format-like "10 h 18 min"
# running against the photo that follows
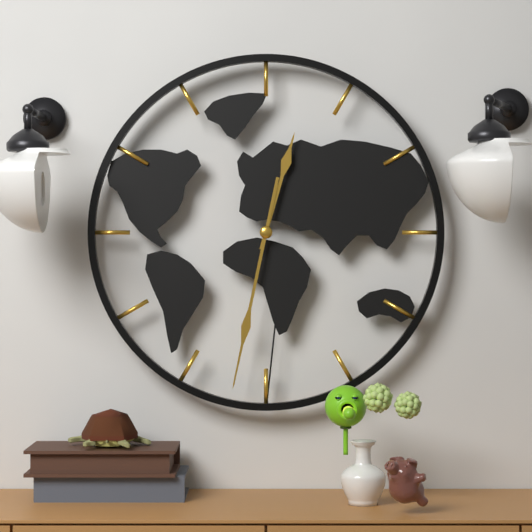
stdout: 12 h 32 min
